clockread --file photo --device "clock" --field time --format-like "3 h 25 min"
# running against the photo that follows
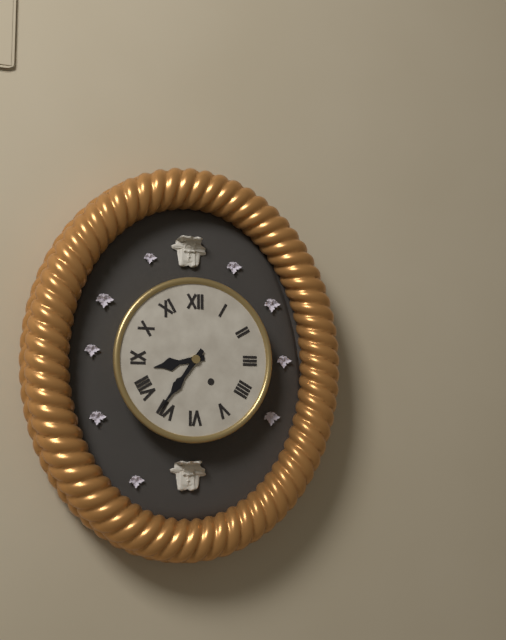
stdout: 8 h 36 min
